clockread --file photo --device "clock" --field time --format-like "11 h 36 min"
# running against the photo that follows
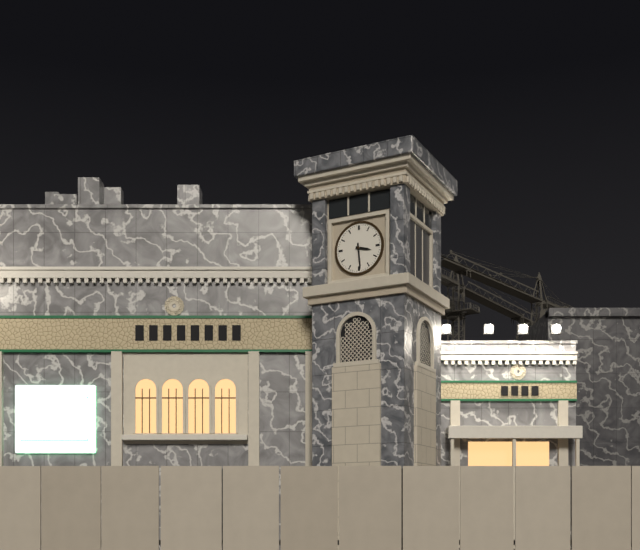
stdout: 3 h 29 min
